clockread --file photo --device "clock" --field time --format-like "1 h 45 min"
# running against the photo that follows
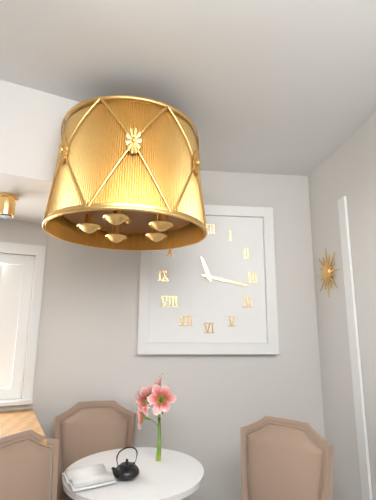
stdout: 11 h 17 min
